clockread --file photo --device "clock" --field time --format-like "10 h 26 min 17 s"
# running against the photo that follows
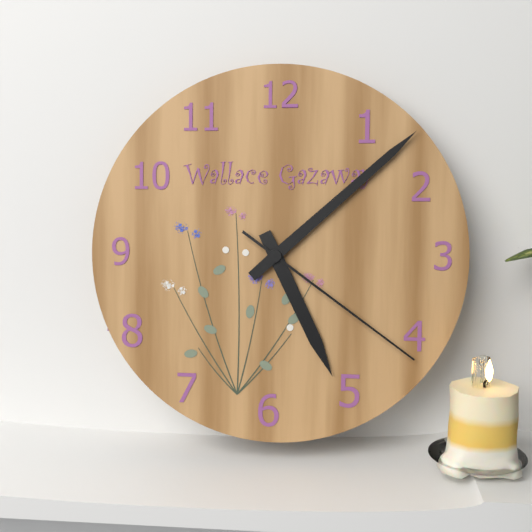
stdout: 5 h 08 min 21 s
